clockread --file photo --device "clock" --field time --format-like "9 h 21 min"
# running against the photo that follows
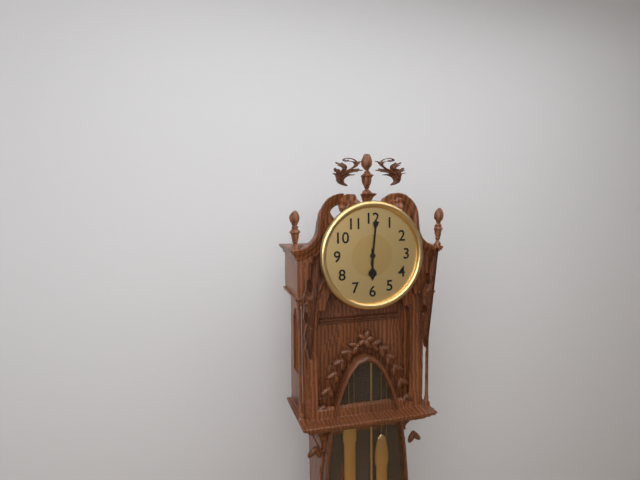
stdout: 6 h 01 min
